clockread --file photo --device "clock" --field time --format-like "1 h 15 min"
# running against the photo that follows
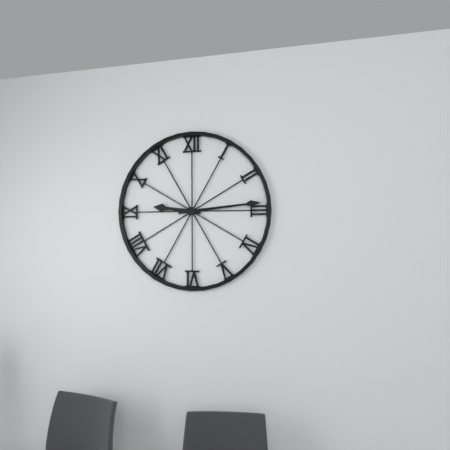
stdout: 9 h 14 min
